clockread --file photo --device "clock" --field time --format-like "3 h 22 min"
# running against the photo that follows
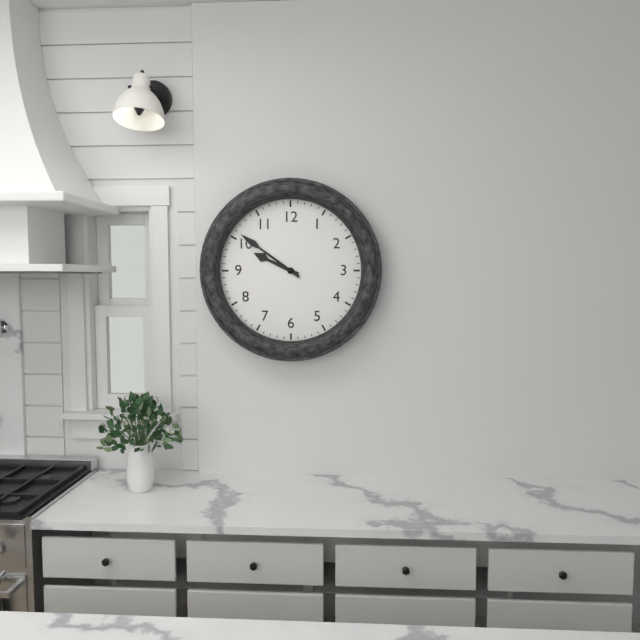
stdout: 9 h 51 min
